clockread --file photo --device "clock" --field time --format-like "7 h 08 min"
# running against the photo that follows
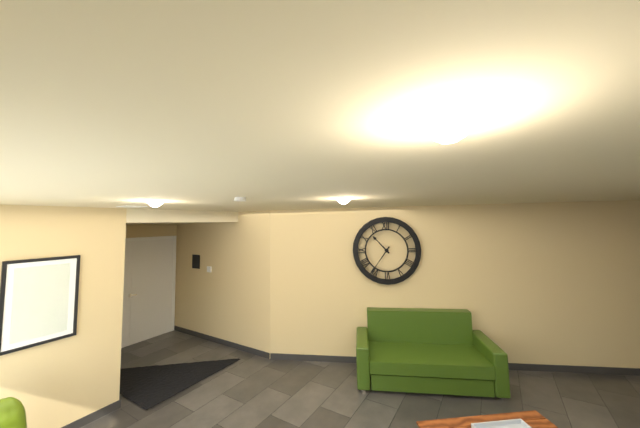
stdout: 10 h 36 min
